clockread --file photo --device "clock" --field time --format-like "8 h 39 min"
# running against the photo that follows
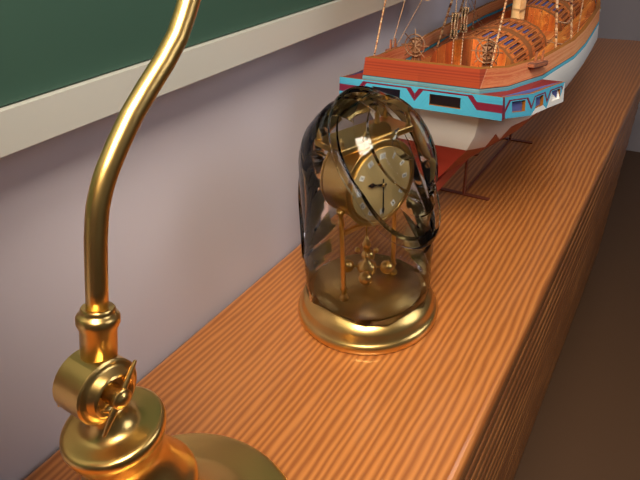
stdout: 9 h 30 min
